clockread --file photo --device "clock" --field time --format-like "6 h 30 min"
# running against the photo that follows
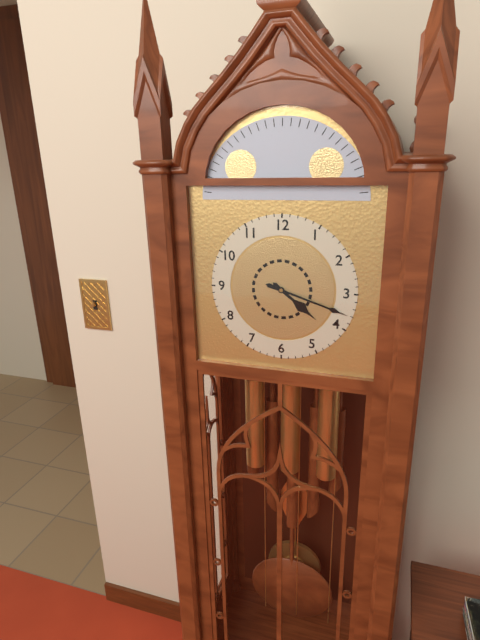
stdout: 4 h 18 min
